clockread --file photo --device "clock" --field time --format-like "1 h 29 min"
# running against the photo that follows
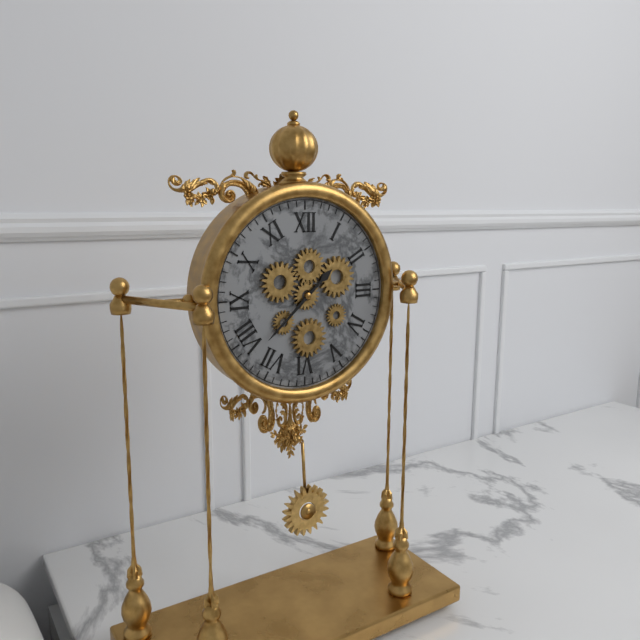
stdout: 1 h 38 min
